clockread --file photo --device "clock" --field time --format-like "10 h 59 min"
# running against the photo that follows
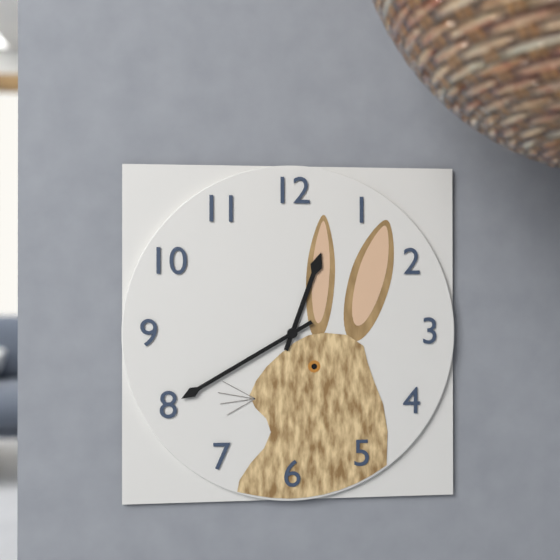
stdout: 12 h 40 min
